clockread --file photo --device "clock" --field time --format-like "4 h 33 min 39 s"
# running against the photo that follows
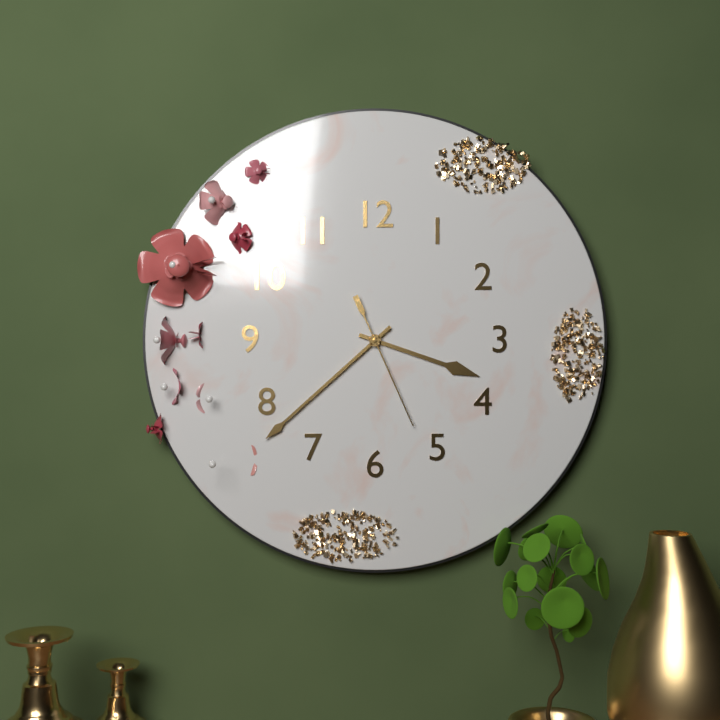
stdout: 3 h 38 min 26 s
